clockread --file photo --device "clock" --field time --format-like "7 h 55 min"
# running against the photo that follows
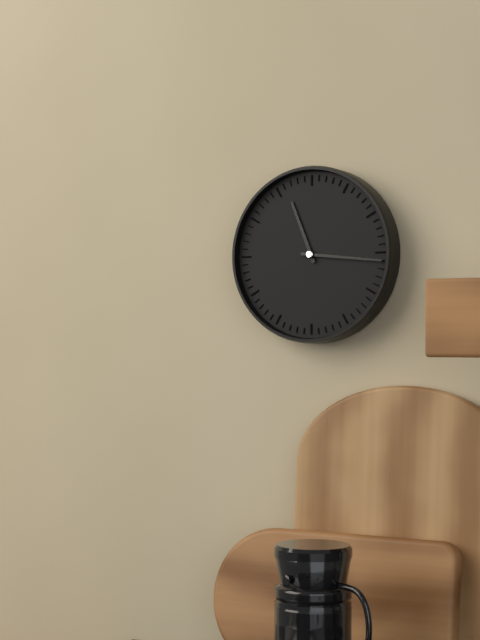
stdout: 11 h 16 min
